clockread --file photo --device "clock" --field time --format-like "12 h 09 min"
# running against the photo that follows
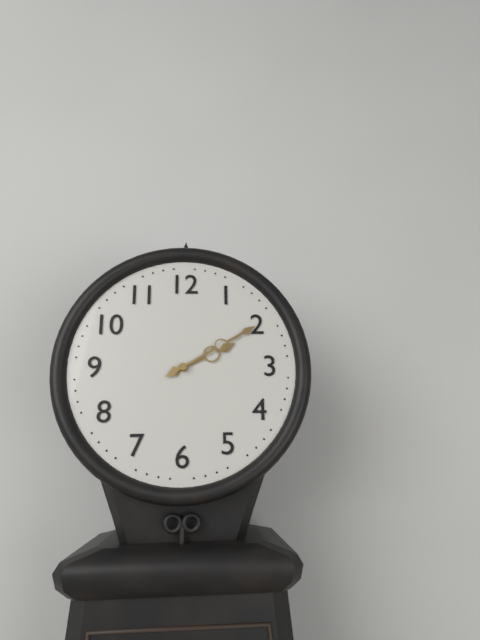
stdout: 2 h 10 min
